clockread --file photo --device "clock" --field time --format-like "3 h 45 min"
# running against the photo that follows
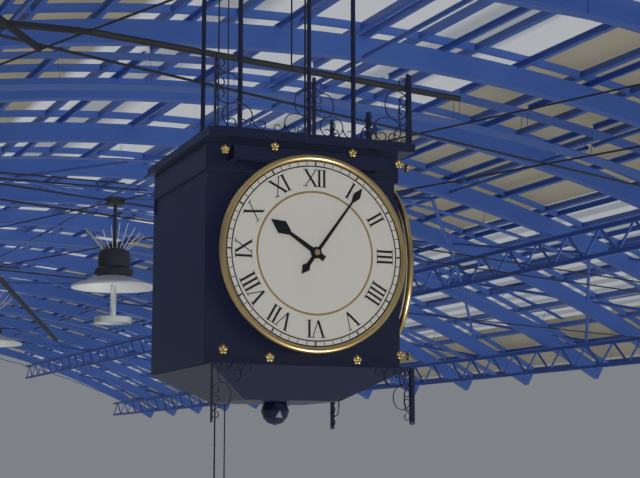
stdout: 10 h 06 min
